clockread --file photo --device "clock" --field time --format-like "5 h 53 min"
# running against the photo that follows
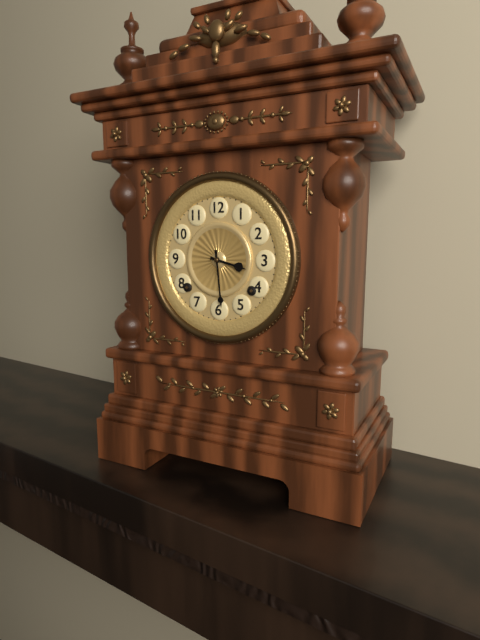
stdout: 3 h 29 min
